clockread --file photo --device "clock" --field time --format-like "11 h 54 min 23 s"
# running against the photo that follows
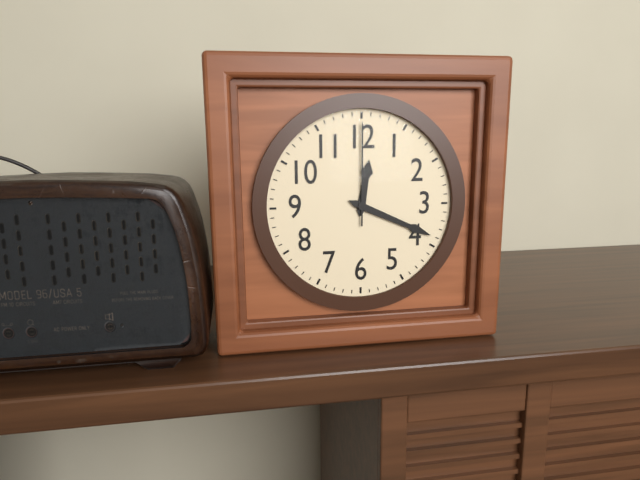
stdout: 12 h 19 min 00 s
